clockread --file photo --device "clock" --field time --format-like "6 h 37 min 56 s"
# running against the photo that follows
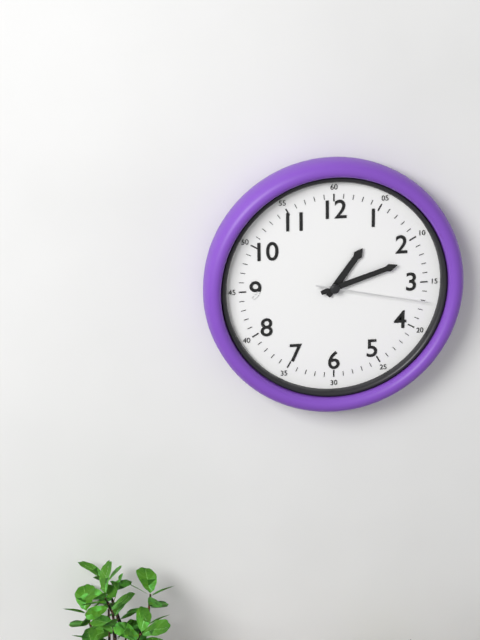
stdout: 1 h 12 min 17 s
